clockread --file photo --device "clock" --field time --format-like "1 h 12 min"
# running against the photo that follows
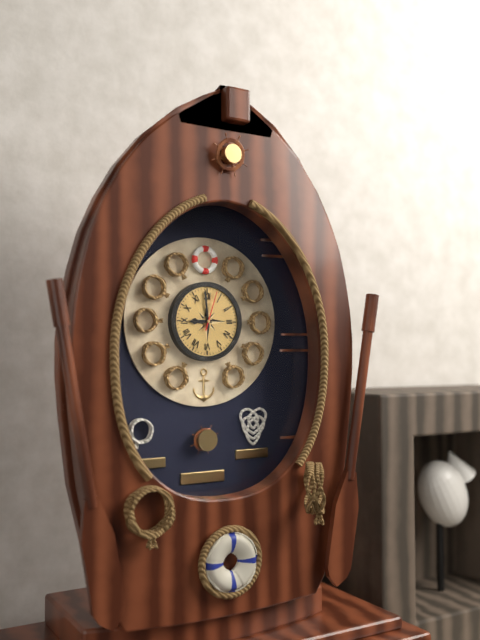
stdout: 8 h 59 min
